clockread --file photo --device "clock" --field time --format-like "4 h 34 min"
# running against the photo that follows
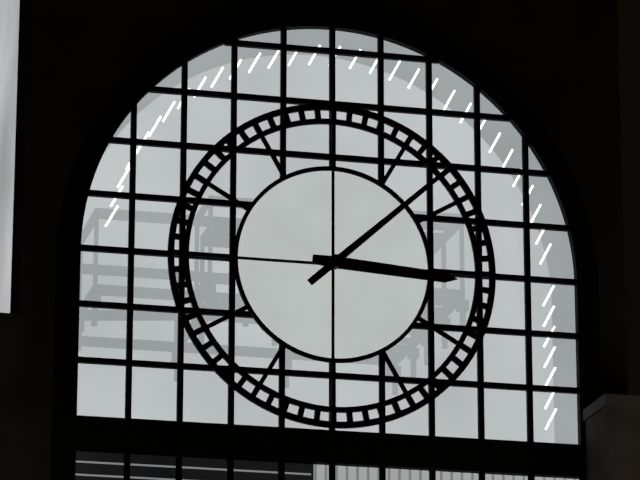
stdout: 3 h 08 min
